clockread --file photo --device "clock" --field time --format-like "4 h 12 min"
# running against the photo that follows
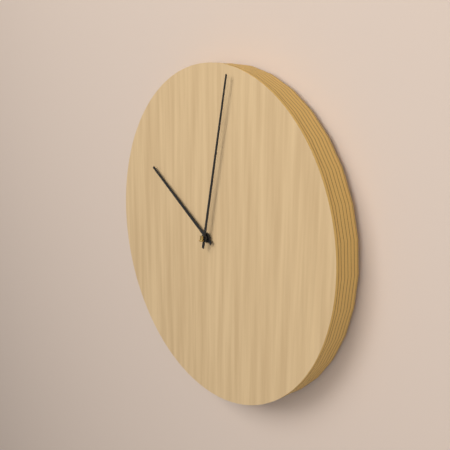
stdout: 10 h 02 min
